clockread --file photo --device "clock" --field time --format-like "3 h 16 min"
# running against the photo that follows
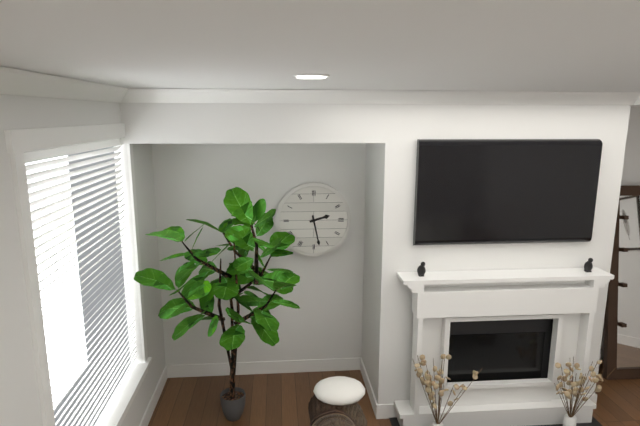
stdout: 2 h 28 min
